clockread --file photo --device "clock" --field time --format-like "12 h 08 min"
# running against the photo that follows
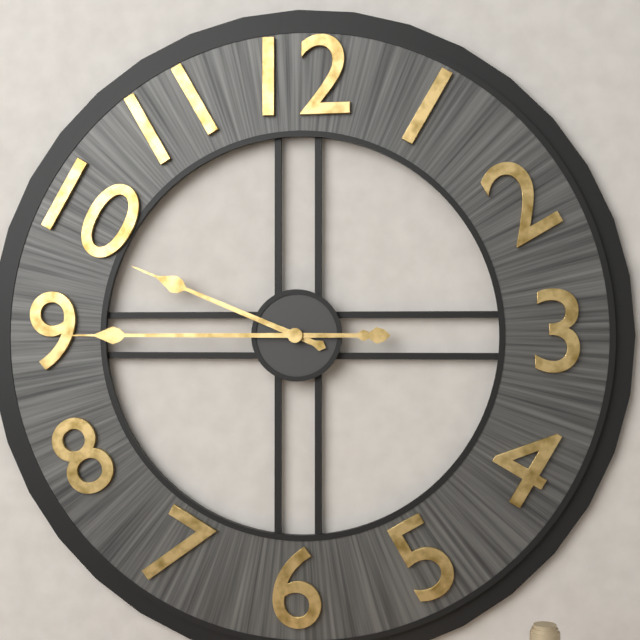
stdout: 9 h 45 min
